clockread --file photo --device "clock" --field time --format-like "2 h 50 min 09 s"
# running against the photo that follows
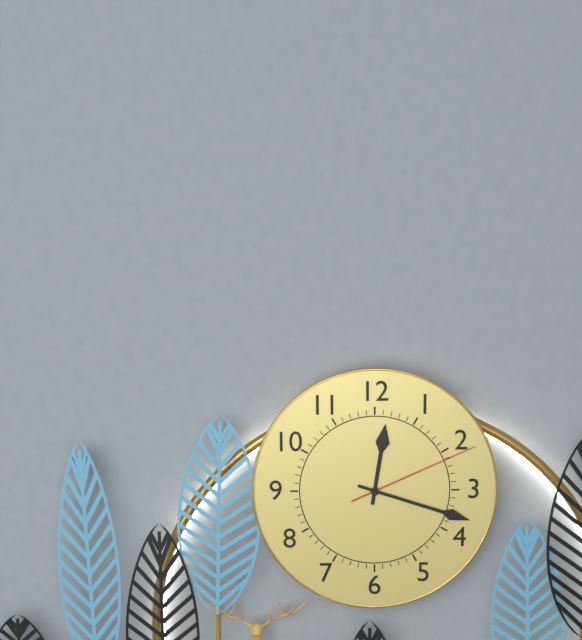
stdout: 12 h 18 min 11 s
